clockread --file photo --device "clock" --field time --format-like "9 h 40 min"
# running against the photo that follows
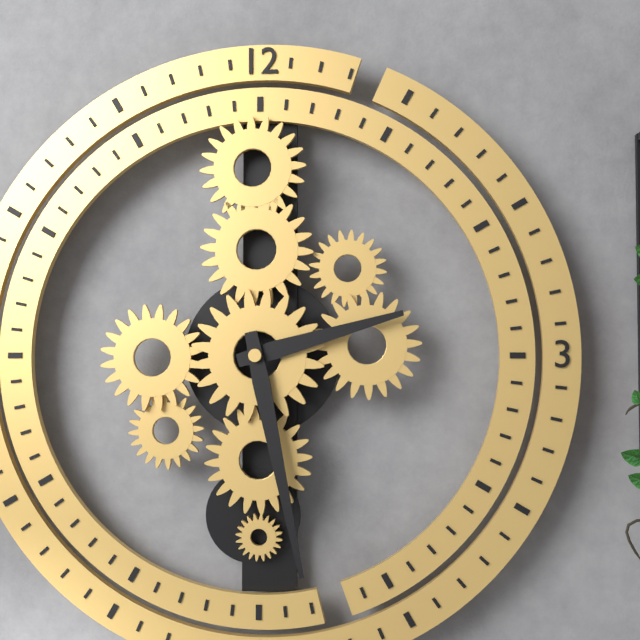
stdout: 2 h 28 min
